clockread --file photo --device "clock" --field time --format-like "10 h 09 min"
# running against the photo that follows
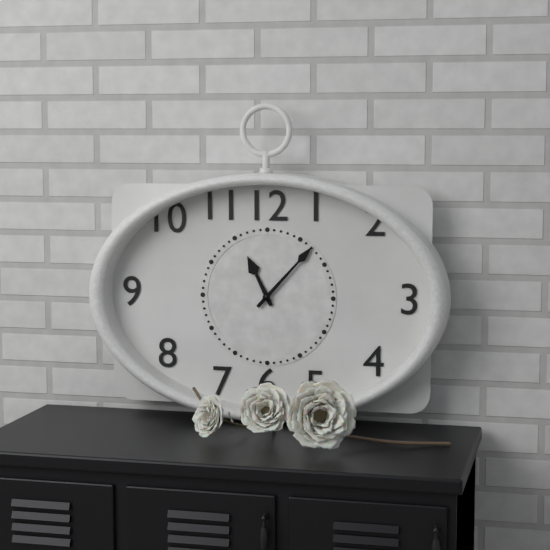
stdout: 11 h 07 min
